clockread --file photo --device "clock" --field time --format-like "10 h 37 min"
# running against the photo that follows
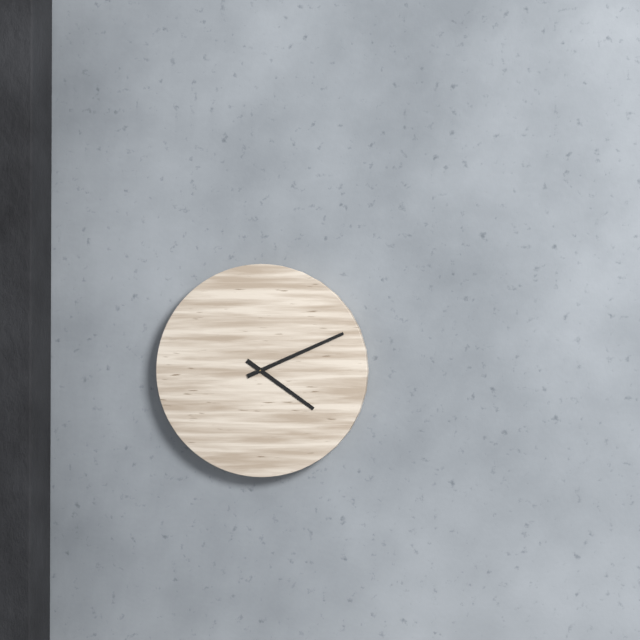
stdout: 4 h 11 min
